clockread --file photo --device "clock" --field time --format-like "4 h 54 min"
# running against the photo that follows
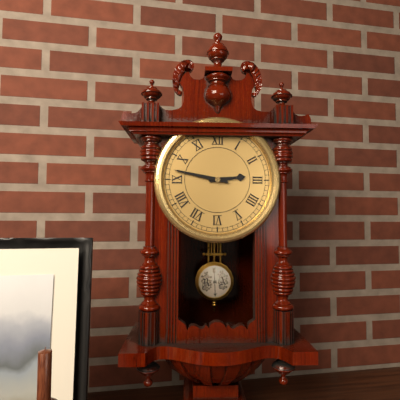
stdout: 2 h 47 min
